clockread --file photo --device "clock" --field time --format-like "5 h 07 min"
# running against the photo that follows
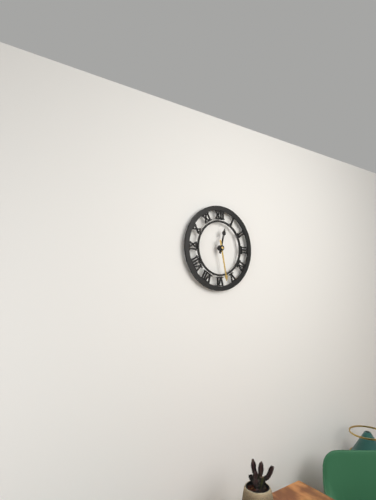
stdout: 12 h 28 min
